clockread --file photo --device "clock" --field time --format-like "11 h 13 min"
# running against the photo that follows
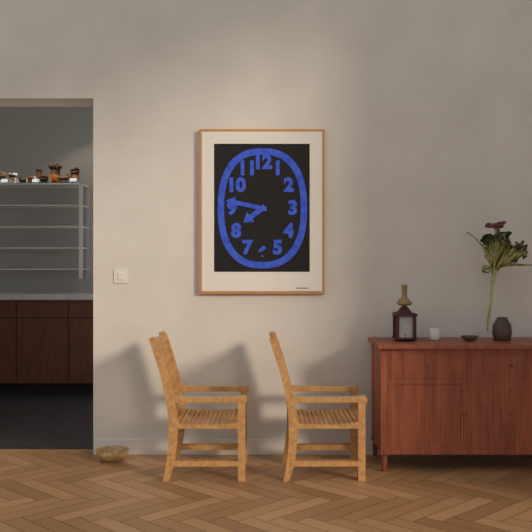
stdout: 7 h 47 min
